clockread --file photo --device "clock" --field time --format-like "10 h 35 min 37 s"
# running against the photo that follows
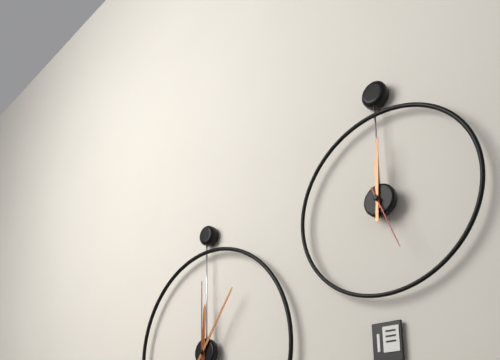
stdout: 12 h 06 min 00 s
